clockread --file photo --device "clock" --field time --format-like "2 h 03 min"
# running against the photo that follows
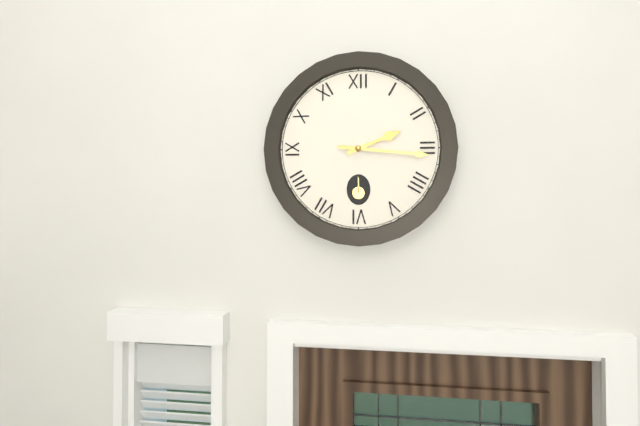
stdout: 2 h 16 min
